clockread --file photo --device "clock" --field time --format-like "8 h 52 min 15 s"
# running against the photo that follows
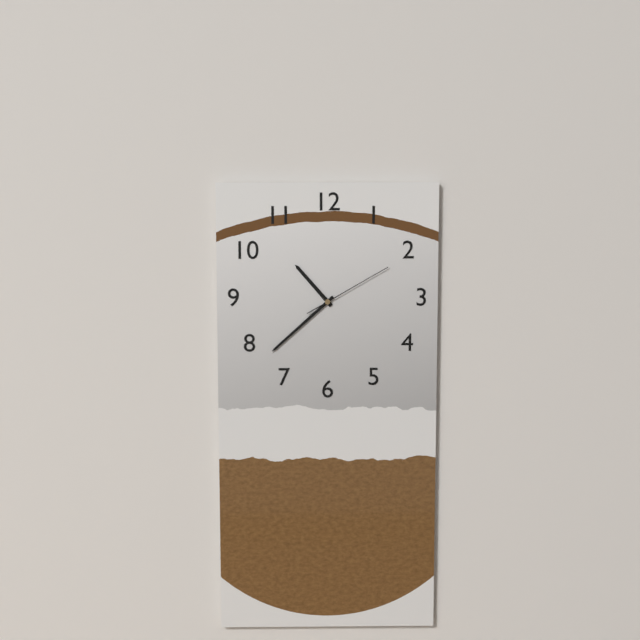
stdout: 10 h 38 min 10 s
